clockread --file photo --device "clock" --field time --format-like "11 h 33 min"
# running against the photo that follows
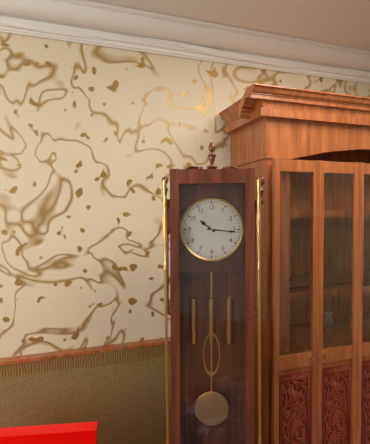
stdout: 10 h 16 min
